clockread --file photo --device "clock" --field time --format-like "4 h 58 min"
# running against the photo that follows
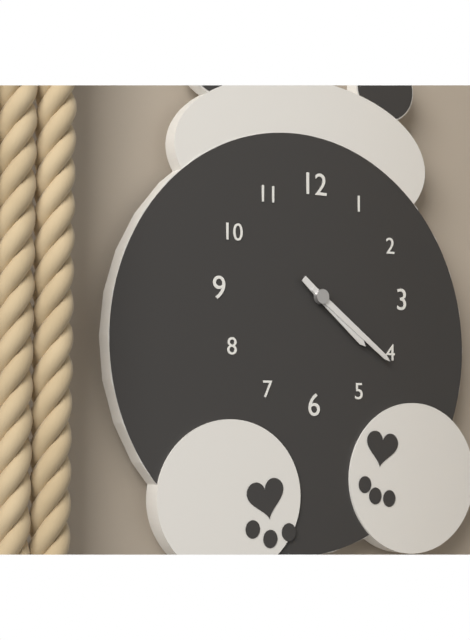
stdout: 4 h 21 min
